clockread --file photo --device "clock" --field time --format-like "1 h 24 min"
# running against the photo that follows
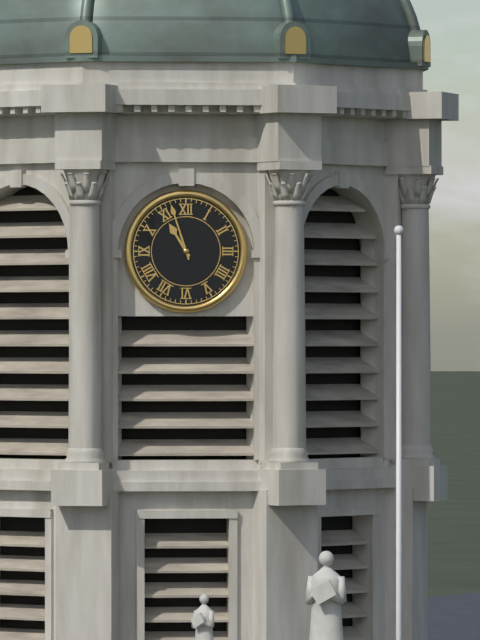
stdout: 10 h 57 min
